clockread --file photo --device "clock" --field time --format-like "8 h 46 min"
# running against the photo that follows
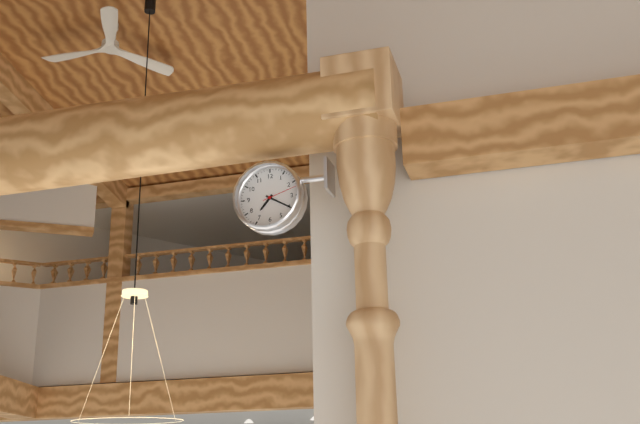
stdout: 7 h 20 min
